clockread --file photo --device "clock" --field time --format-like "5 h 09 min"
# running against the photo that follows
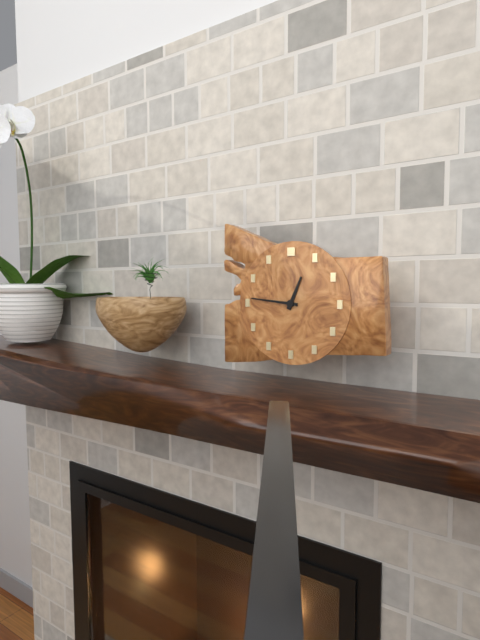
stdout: 12 h 46 min
